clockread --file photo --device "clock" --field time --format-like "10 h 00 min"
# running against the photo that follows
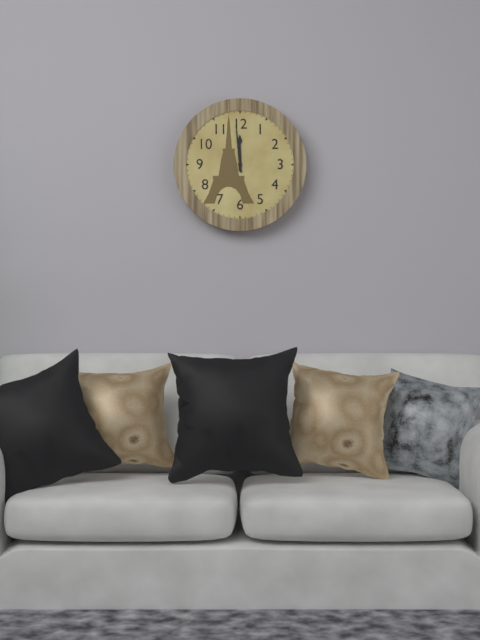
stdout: 11 h 59 min
